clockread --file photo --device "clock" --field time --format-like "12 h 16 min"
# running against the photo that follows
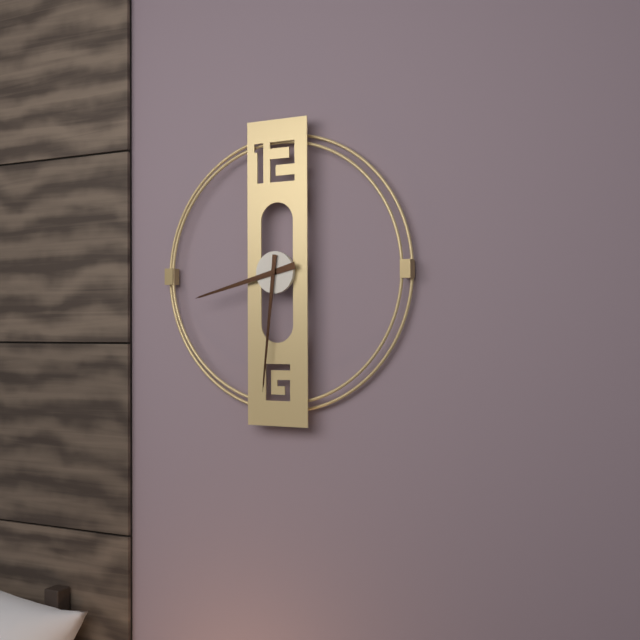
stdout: 8 h 31 min
